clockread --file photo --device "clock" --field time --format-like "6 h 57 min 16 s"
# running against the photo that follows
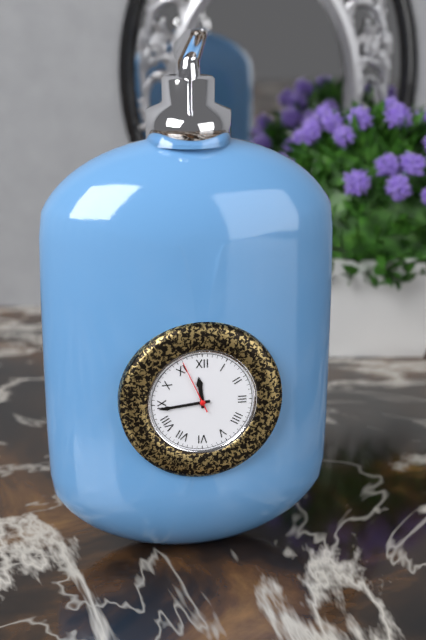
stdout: 11 h 44 min 56 s
